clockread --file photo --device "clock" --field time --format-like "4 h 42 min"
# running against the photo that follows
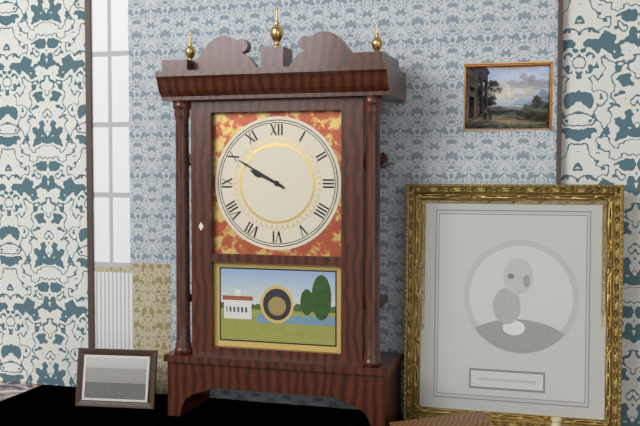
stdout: 9 h 50 min
